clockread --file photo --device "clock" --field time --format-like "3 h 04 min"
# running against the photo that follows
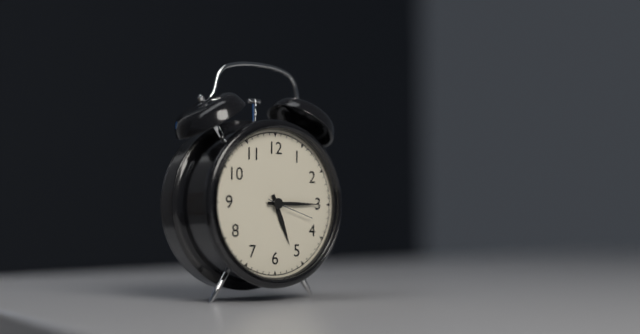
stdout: 5 h 15 min
